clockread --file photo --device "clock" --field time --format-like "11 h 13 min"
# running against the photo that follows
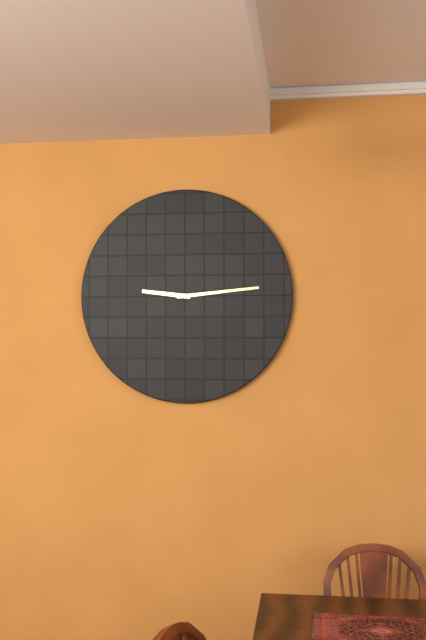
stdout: 9 h 14 min
